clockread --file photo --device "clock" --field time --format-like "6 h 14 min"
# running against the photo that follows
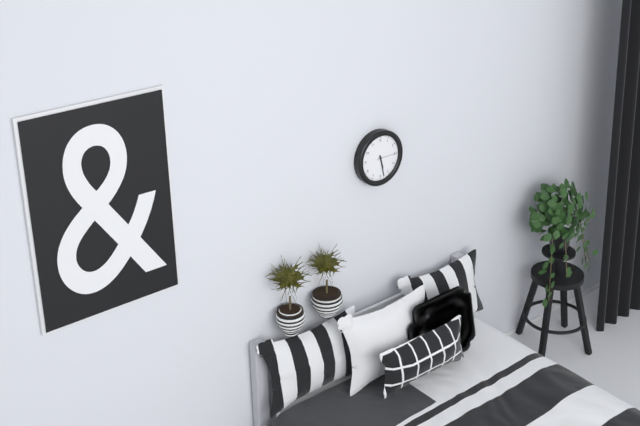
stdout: 5 h 28 min
